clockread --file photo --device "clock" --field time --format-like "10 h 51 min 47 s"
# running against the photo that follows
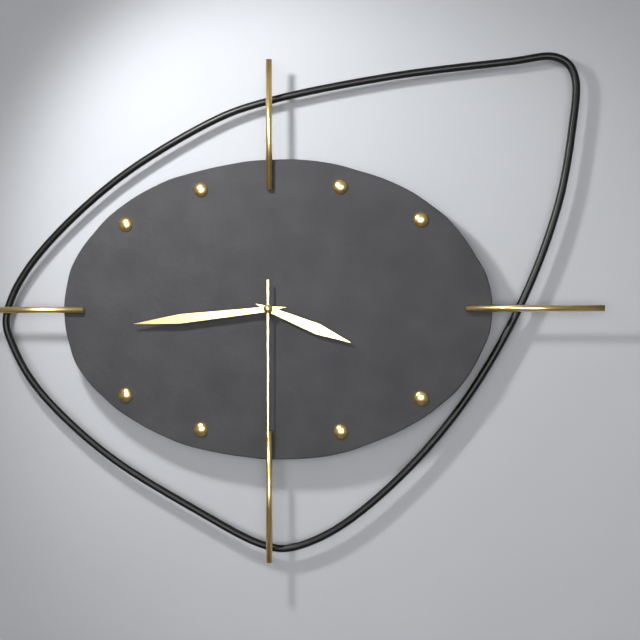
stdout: 3 h 44 min 30 s
